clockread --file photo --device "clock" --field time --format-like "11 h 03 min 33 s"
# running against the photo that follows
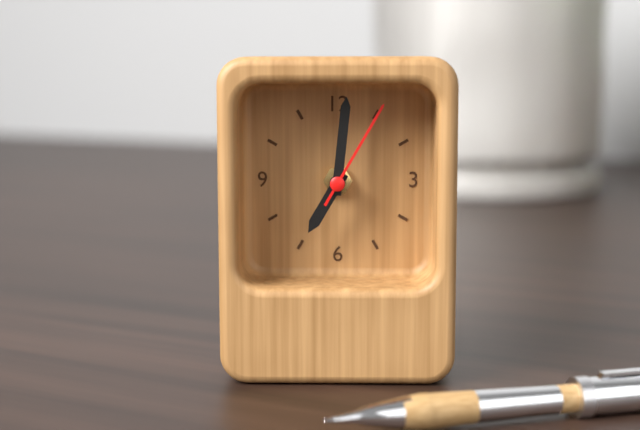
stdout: 7 h 01 min 05 s
